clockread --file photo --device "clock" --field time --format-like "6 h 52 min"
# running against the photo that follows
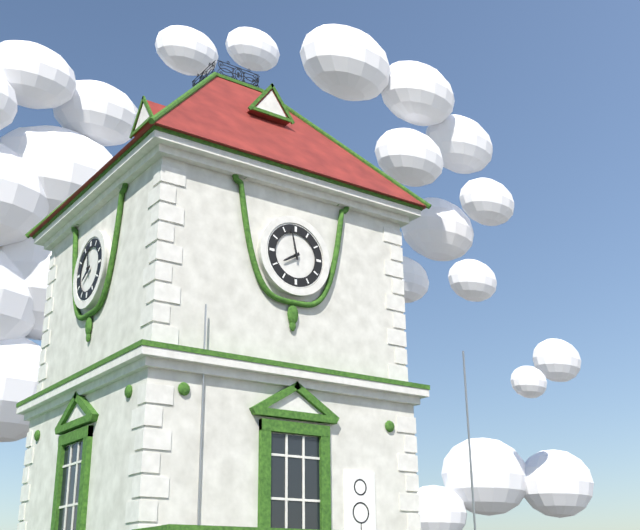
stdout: 7 h 58 min
